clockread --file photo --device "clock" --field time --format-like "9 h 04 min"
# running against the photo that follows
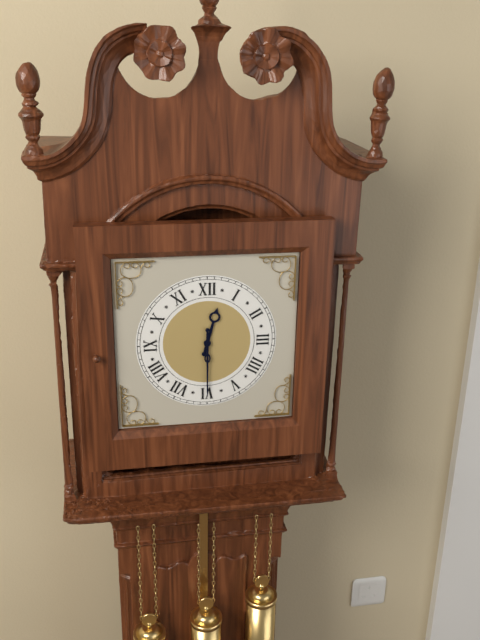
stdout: 12 h 30 min
